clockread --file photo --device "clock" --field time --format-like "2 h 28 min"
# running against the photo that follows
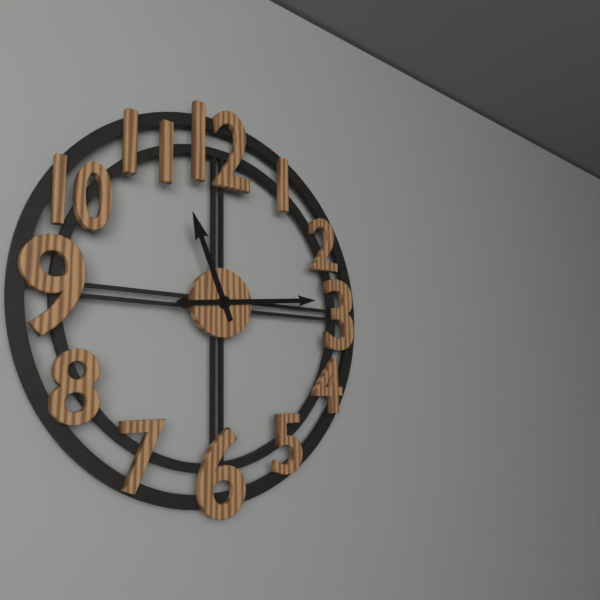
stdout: 11 h 14 min
